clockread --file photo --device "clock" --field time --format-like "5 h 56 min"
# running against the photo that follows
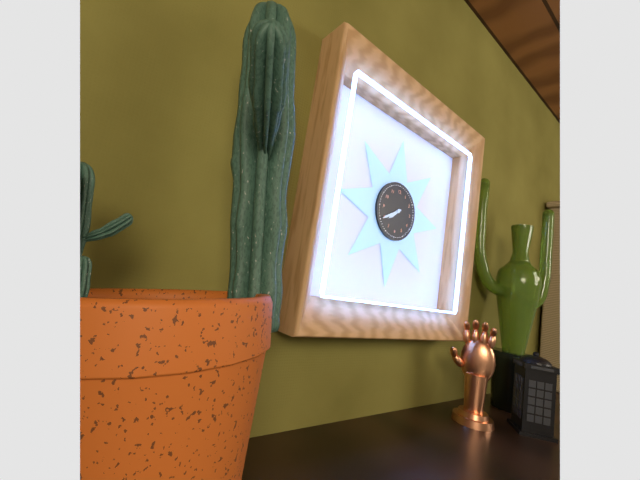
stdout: 7 h 40 min
